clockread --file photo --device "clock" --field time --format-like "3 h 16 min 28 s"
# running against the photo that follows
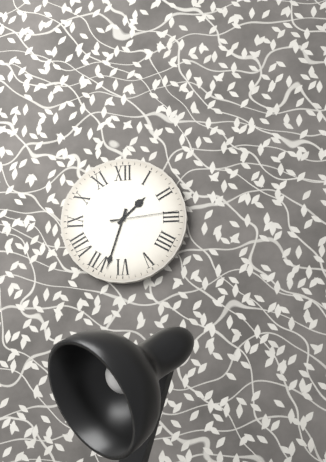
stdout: 1 h 33 min 14 s
